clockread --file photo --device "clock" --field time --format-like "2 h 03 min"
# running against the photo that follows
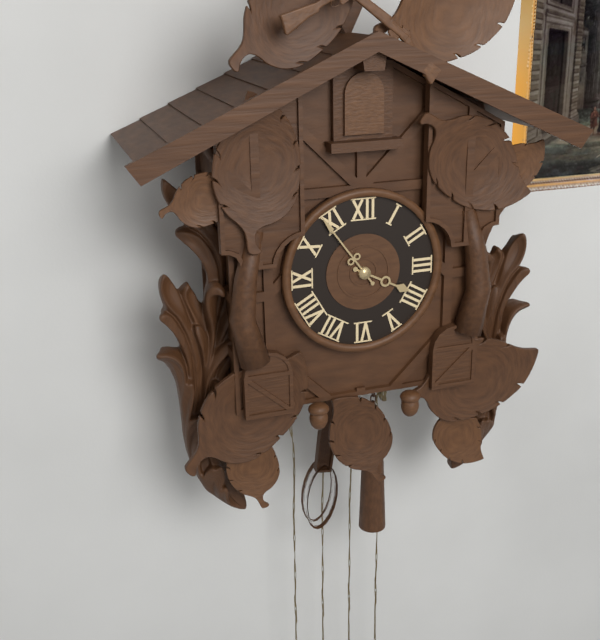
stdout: 3 h 54 min
